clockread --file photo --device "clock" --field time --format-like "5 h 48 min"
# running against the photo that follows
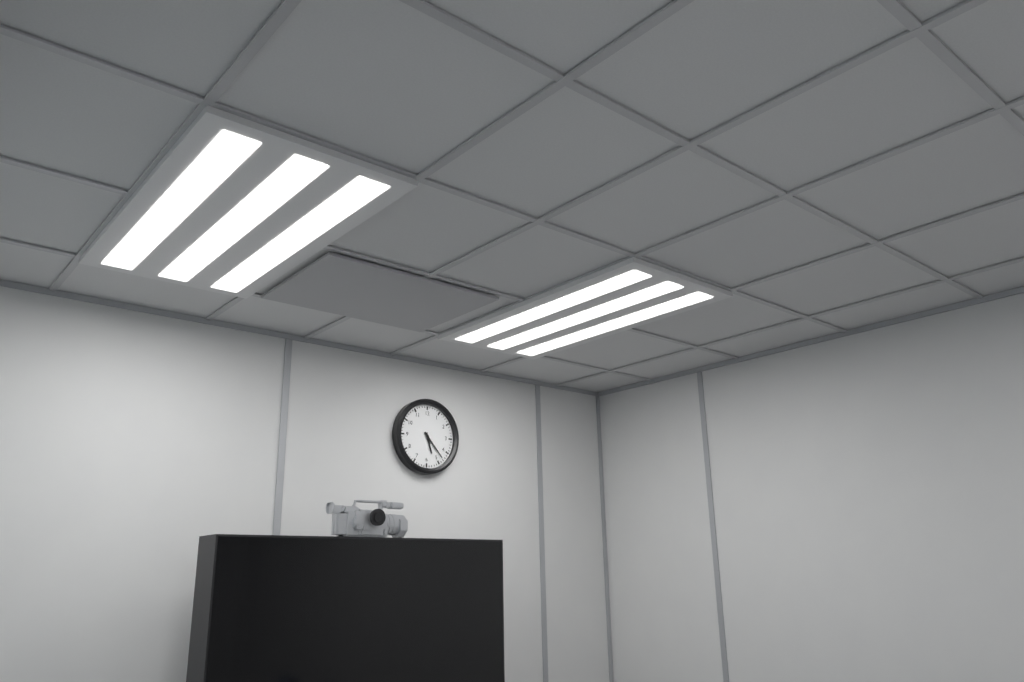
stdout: 5 h 23 min
